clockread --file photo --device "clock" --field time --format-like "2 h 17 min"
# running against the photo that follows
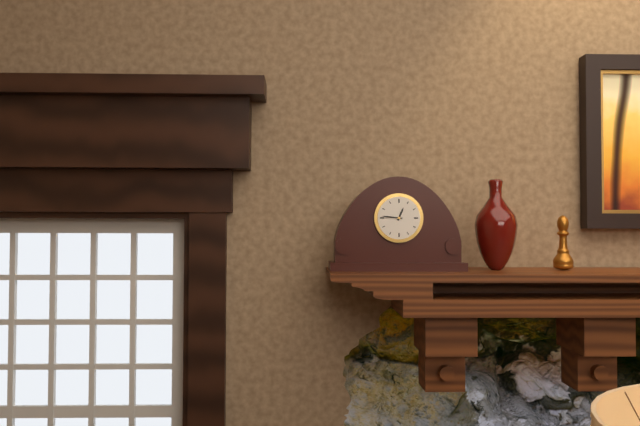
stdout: 12 h 46 min
